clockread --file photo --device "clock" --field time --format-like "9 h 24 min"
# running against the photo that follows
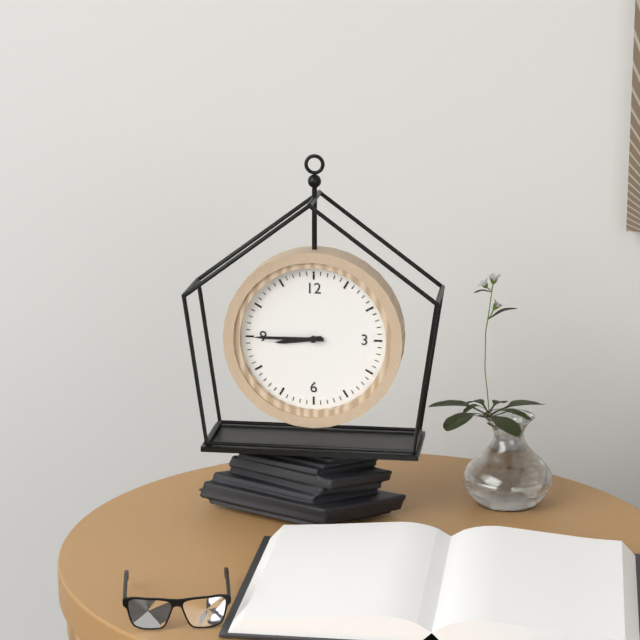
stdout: 8 h 45 min
